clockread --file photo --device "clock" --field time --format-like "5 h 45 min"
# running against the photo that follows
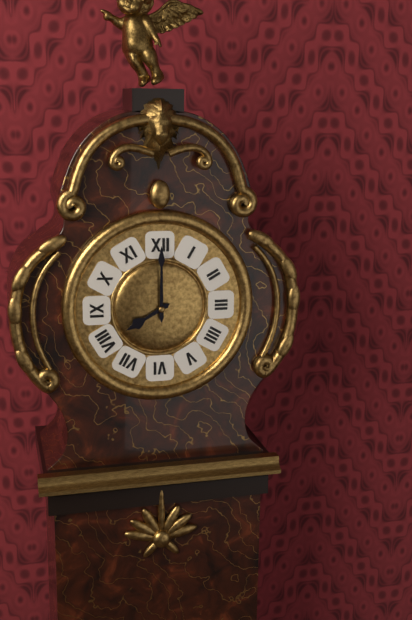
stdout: 8 h 00 min
